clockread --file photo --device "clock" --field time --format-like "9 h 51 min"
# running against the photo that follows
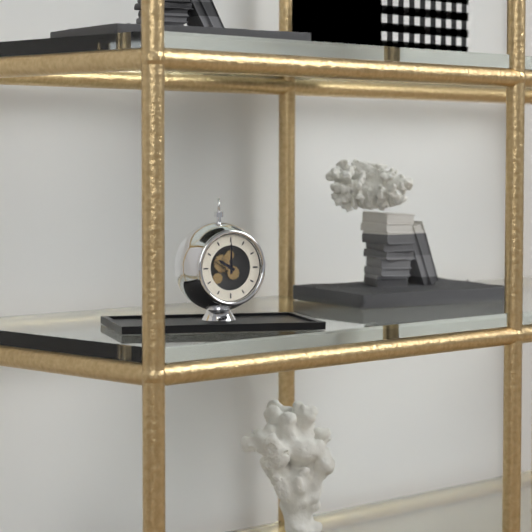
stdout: 10 h 00 min
